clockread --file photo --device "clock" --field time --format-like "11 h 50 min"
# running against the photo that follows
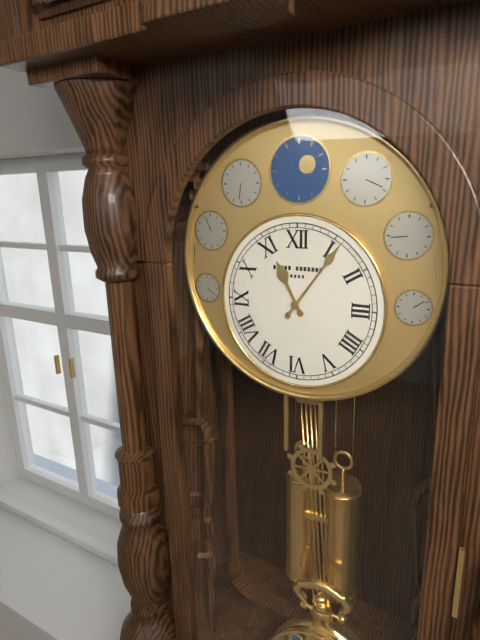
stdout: 11 h 06 min
